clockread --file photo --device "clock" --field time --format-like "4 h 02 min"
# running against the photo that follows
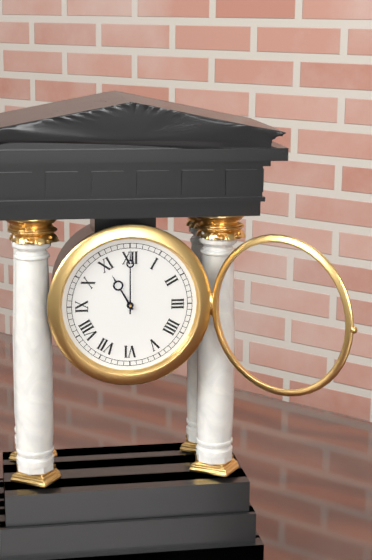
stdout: 11 h 00 min
